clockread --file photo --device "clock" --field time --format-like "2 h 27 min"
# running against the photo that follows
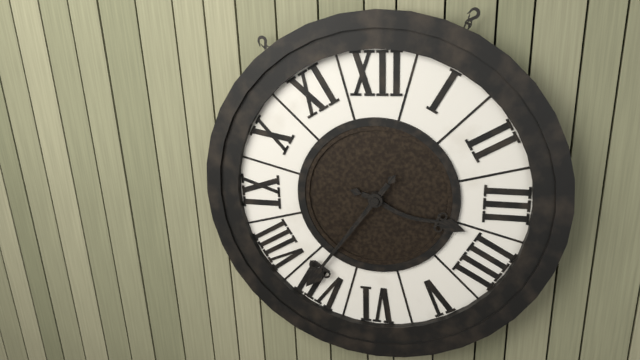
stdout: 3 h 36 min
